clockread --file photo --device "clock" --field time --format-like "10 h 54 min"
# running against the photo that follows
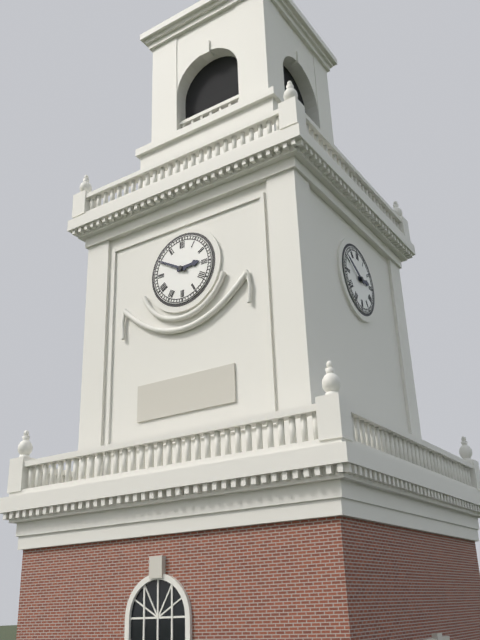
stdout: 2 h 50 min
